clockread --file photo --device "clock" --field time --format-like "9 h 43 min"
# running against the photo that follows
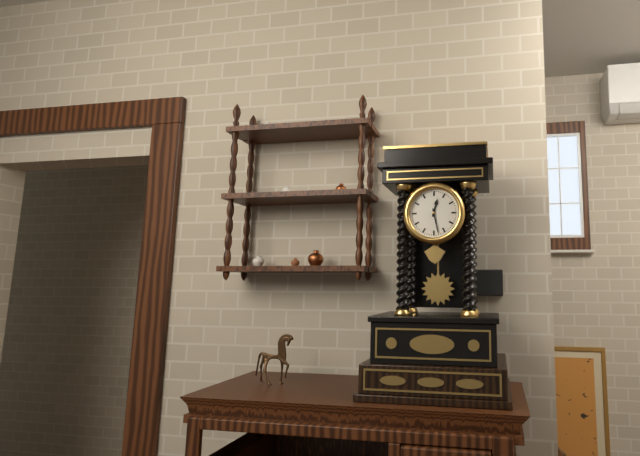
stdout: 12 h 28 min
